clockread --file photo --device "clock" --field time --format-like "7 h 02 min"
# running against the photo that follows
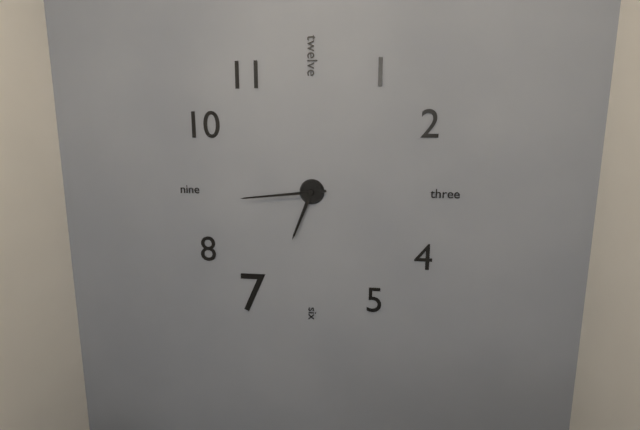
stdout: 6 h 44 min
